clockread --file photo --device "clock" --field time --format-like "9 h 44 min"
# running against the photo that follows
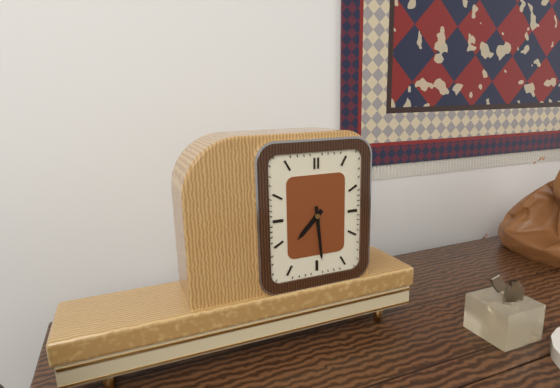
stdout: 7 h 29 min
